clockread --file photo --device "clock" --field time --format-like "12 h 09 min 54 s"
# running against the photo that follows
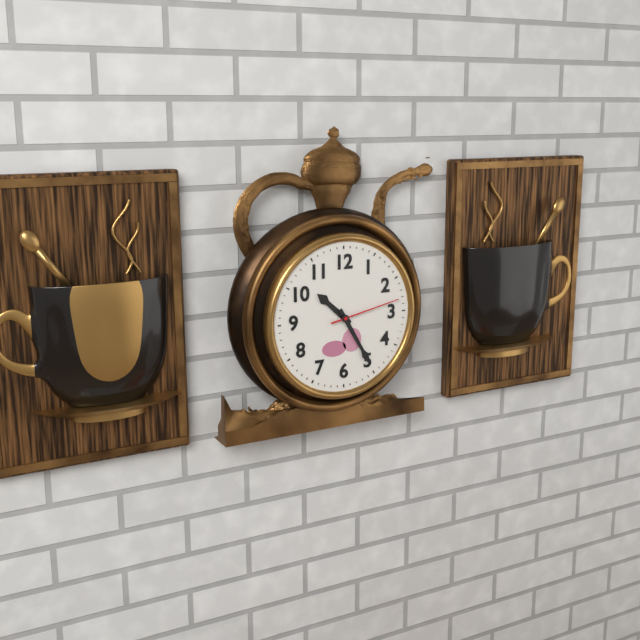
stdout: 10 h 25 min 13 s
